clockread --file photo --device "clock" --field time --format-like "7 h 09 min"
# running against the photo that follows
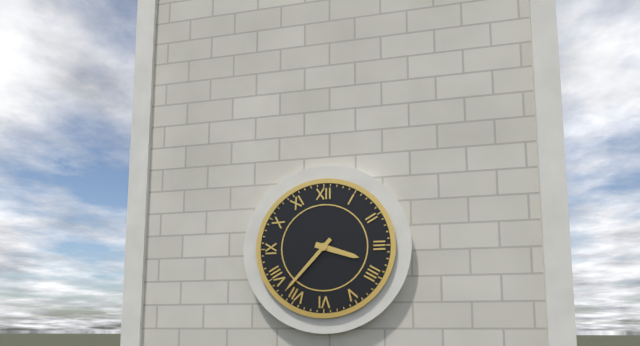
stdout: 3 h 37 min
